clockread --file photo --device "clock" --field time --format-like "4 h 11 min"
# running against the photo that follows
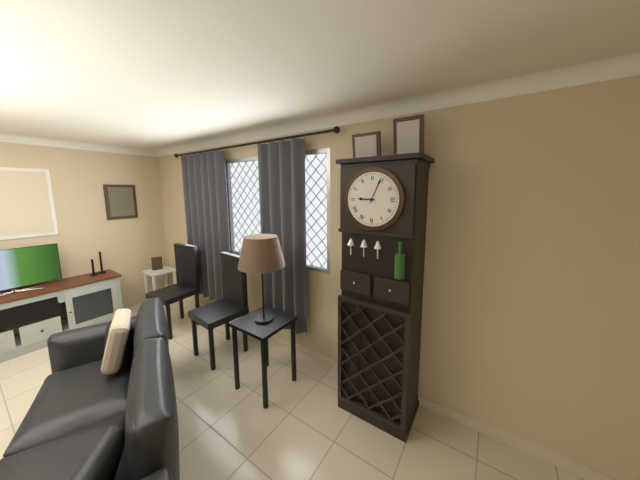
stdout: 9 h 04 min
